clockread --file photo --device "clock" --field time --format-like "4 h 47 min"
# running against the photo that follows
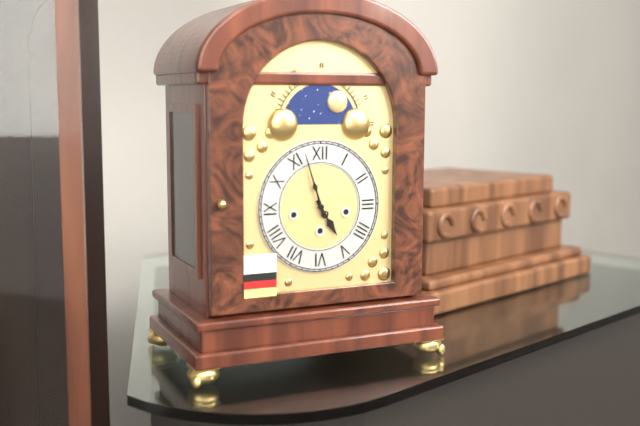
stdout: 4 h 57 min
